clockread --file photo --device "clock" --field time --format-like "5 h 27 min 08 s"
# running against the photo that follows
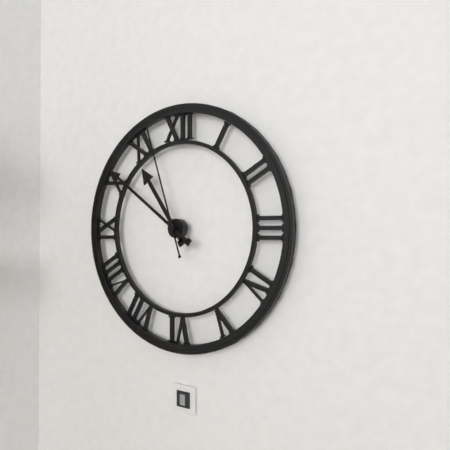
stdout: 10 h 51 min 57 s
